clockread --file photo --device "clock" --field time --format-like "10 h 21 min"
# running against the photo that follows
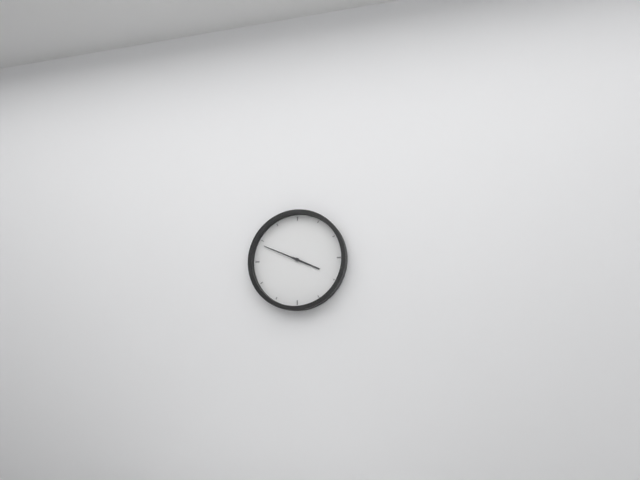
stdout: 3 h 49 min
